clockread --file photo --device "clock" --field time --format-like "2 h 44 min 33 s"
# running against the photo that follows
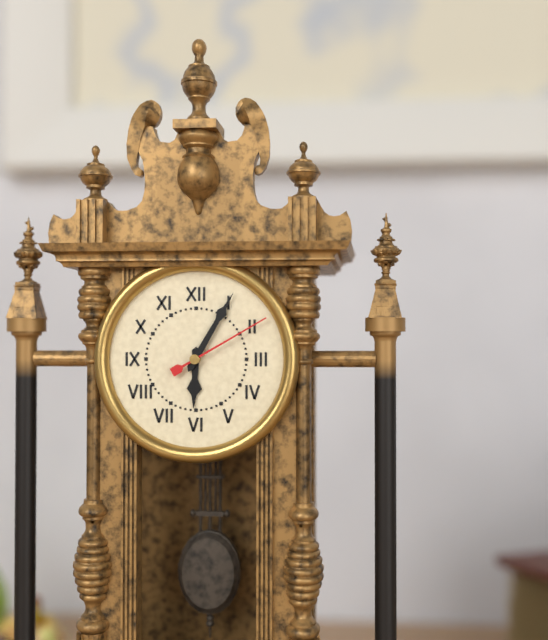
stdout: 6 h 05 min 10 s
